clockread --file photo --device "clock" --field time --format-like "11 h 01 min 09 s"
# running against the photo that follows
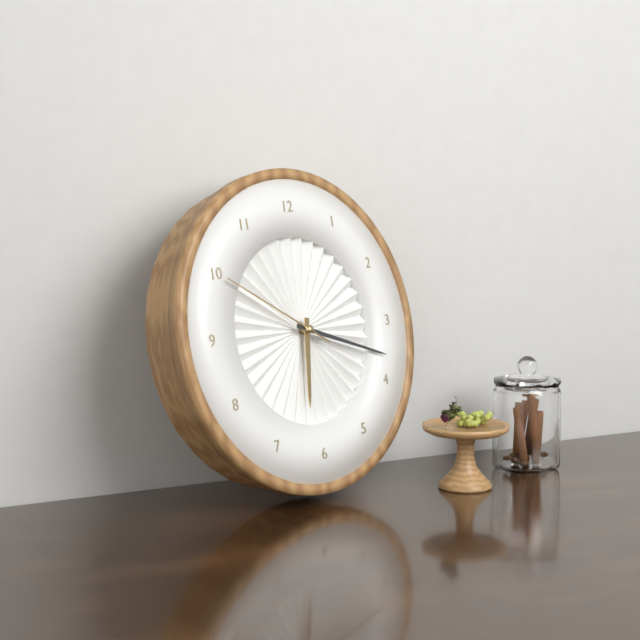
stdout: 6 h 18 min 50 s
